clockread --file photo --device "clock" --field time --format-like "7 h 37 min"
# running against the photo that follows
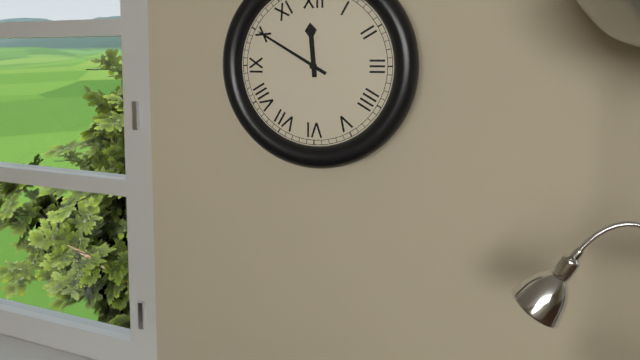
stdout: 11 h 50 min
